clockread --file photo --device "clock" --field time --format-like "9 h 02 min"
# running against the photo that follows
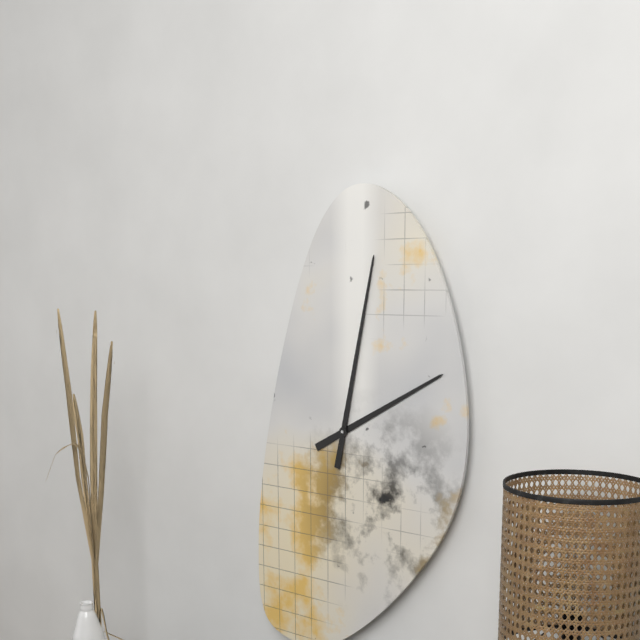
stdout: 2 h 02 min
